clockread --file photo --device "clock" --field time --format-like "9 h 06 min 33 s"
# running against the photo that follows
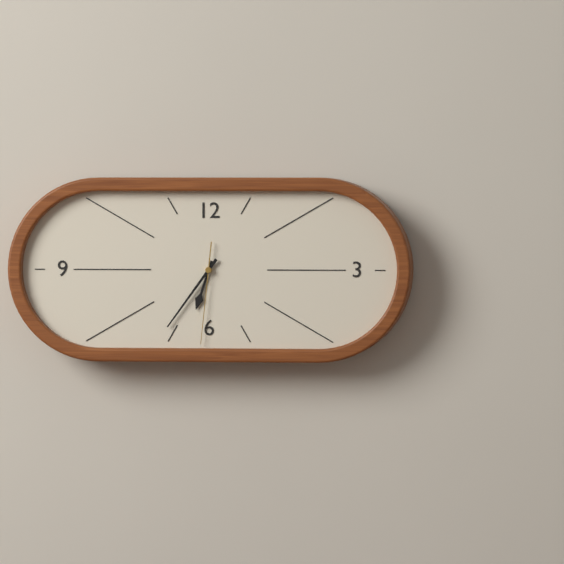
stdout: 6 h 36 min 31 s
